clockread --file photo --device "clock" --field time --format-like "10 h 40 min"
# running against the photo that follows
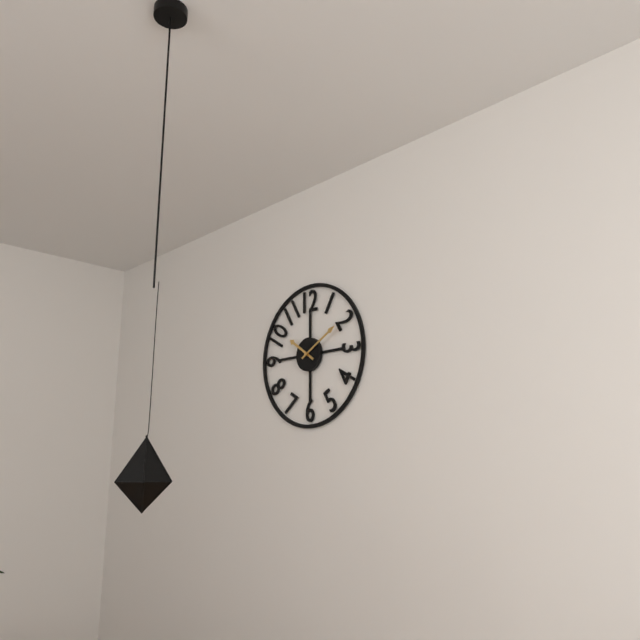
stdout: 10 h 10 min
